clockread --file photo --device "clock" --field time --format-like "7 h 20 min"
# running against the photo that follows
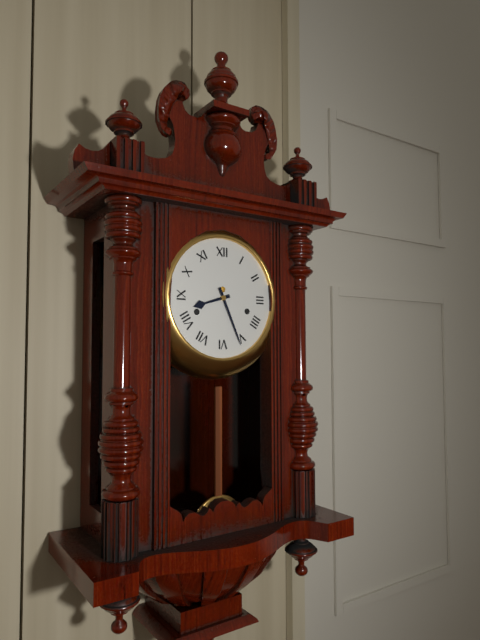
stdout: 8 h 26 min
